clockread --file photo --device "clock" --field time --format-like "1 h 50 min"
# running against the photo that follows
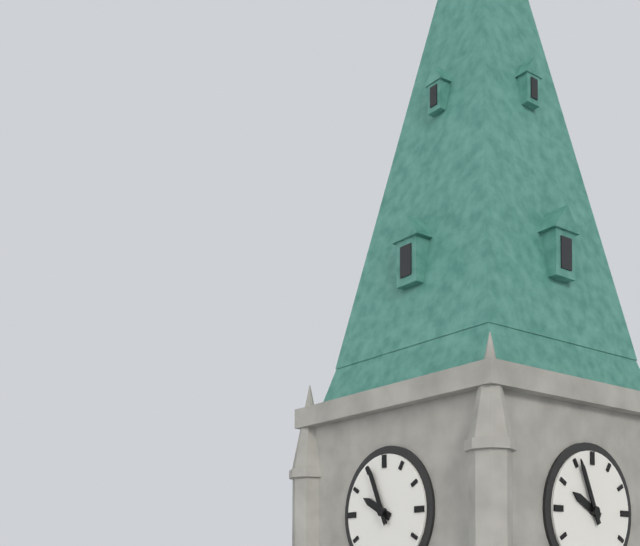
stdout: 9 h 56 min
